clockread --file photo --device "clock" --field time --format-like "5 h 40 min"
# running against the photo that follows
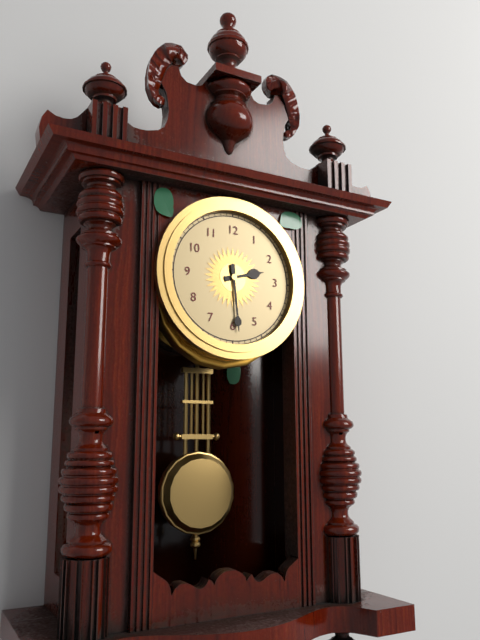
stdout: 2 h 29 min
